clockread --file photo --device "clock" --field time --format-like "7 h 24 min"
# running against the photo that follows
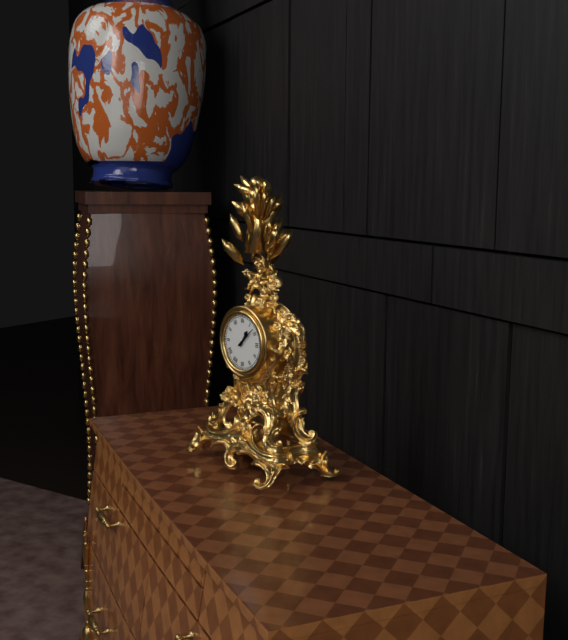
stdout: 1 h 08 min
